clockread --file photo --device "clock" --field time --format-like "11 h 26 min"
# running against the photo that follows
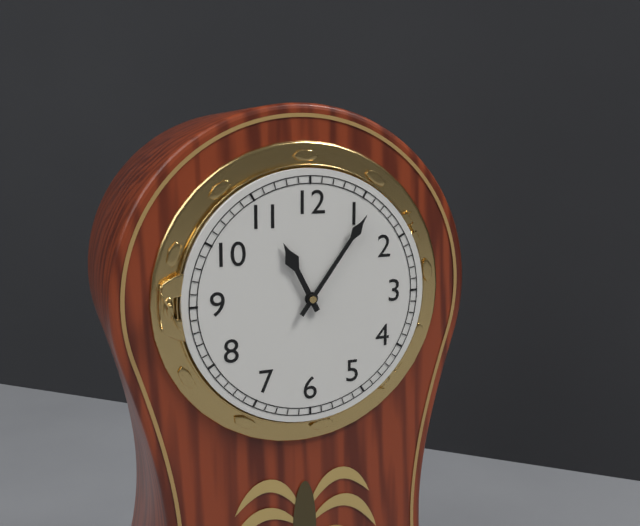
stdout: 11 h 06 min
